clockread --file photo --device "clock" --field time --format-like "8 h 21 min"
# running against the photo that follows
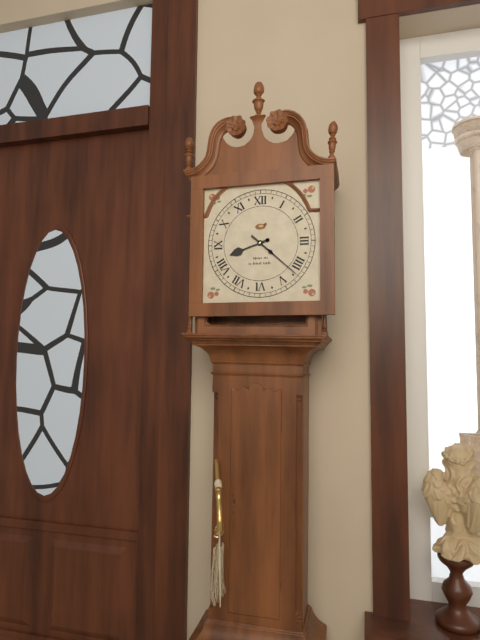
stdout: 8 h 22 min
